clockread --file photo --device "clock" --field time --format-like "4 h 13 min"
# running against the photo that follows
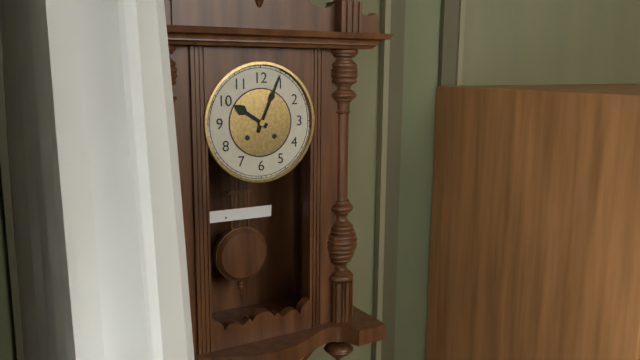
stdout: 10 h 04 min
